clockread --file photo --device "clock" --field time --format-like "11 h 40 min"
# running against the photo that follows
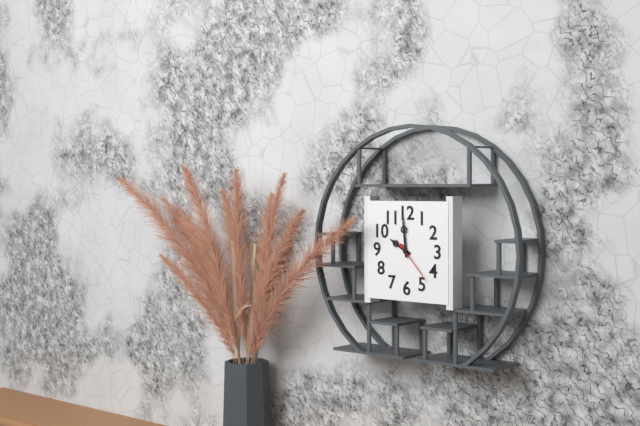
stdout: 9 h 59 min
